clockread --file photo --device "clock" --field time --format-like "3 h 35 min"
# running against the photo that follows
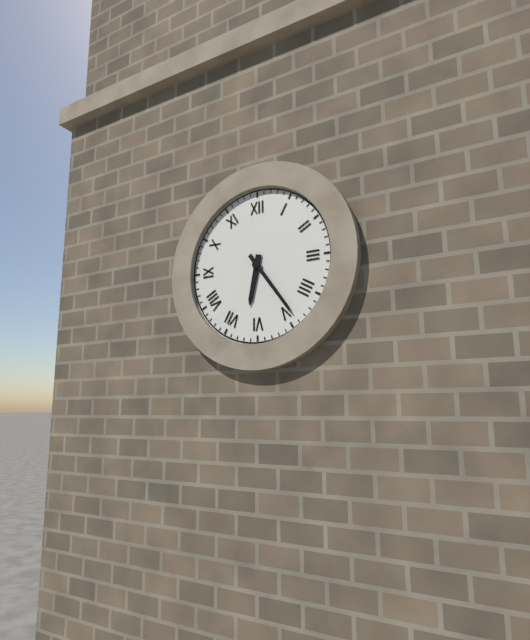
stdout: 6 h 24 min
